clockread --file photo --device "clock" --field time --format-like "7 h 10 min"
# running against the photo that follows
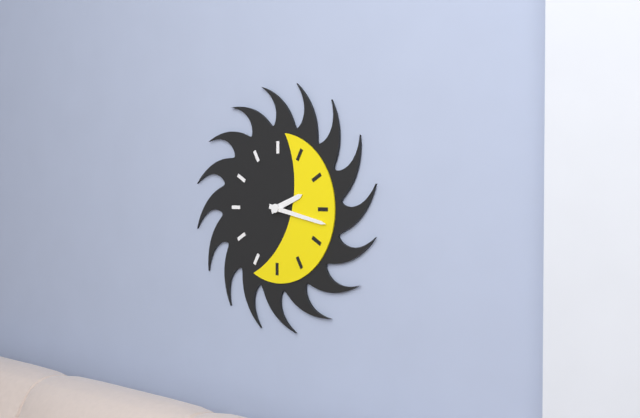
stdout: 2 h 17 min
